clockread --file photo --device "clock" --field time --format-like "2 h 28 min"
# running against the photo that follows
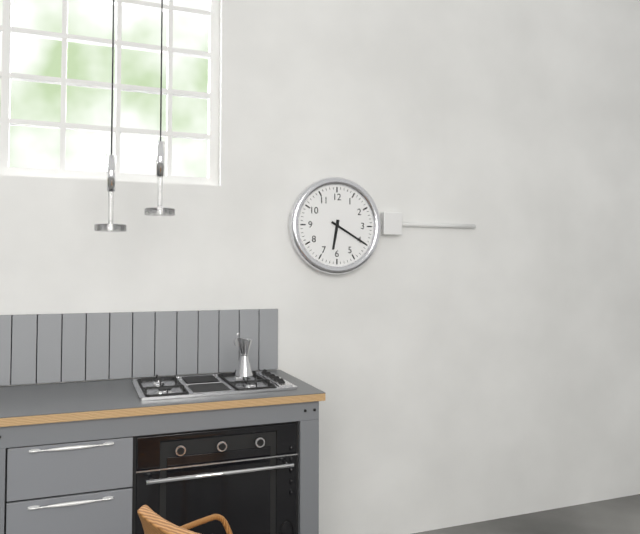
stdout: 6 h 20 min
